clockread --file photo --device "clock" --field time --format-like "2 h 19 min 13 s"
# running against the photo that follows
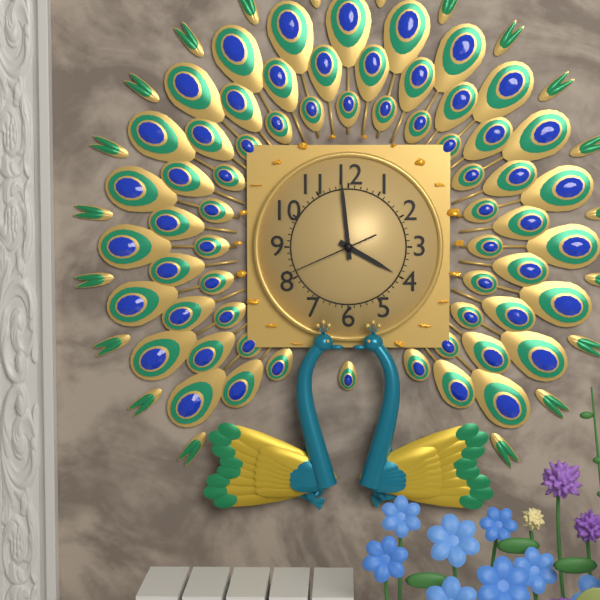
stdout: 3 h 59 min 41 s
